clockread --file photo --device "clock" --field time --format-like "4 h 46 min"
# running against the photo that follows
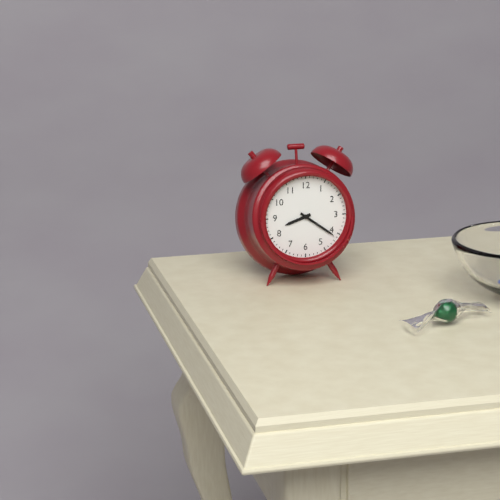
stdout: 8 h 21 min
